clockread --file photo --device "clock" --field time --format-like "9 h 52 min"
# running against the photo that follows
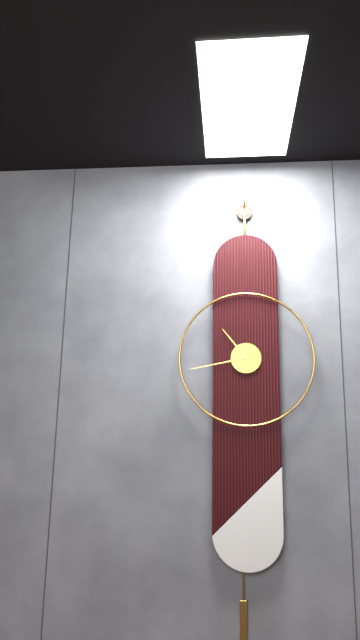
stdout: 10 h 43 min
